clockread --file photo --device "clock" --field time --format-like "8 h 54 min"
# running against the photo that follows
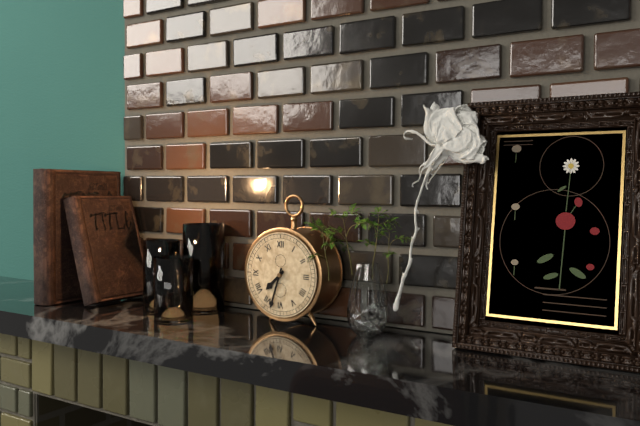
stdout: 7 h 33 min
